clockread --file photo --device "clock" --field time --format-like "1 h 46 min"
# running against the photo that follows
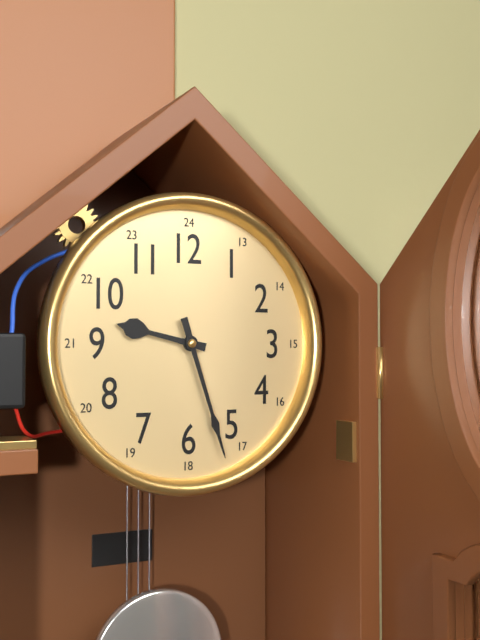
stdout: 9 h 27 min
